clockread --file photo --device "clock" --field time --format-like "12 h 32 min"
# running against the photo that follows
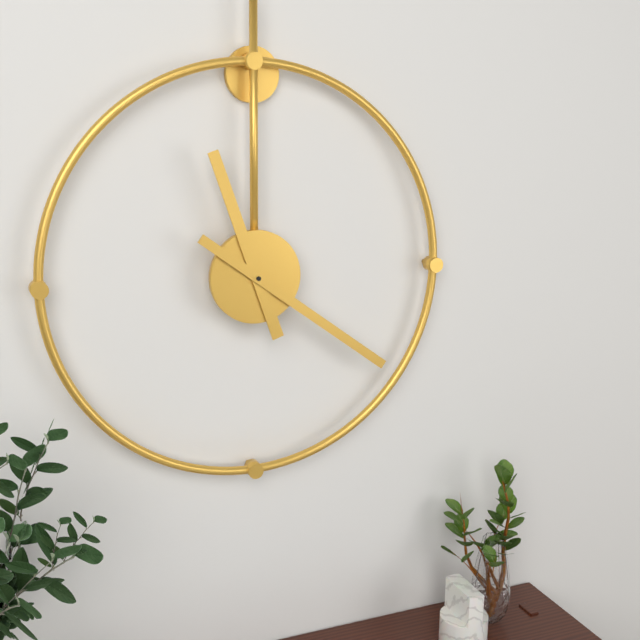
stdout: 11 h 21 min
